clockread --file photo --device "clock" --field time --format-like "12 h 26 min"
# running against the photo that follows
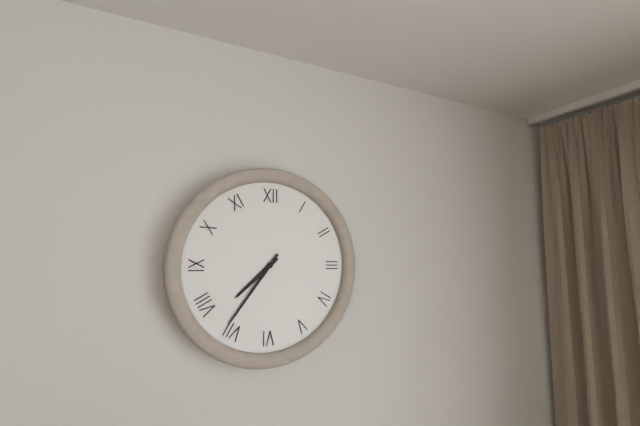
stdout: 7 h 36 min
